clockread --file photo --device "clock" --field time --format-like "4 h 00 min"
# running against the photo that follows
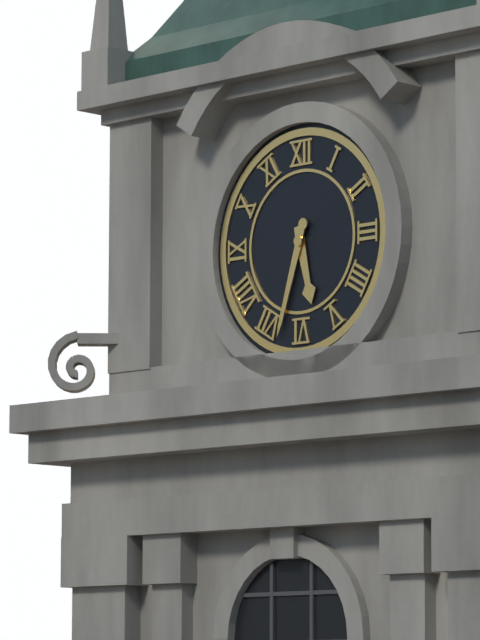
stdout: 5 h 33 min
